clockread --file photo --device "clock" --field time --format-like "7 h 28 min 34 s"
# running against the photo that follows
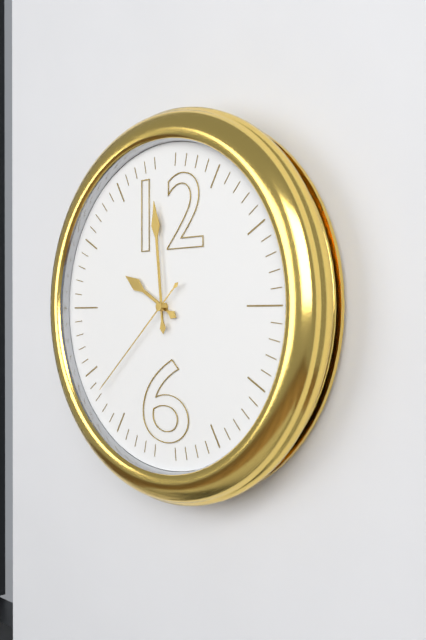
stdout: 9 h 59 min 38 s
